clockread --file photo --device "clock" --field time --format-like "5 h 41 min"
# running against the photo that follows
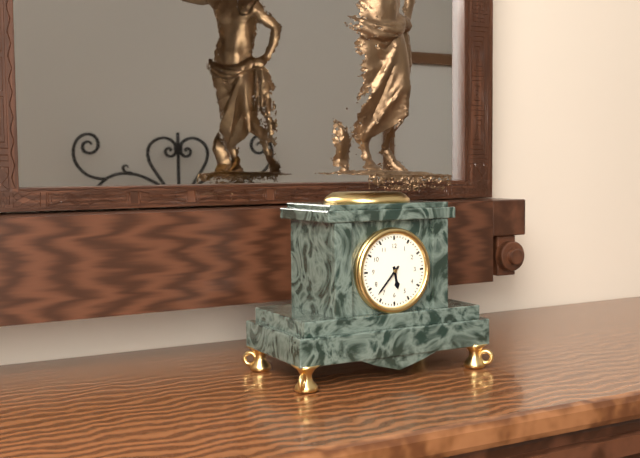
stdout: 5 h 37 min
